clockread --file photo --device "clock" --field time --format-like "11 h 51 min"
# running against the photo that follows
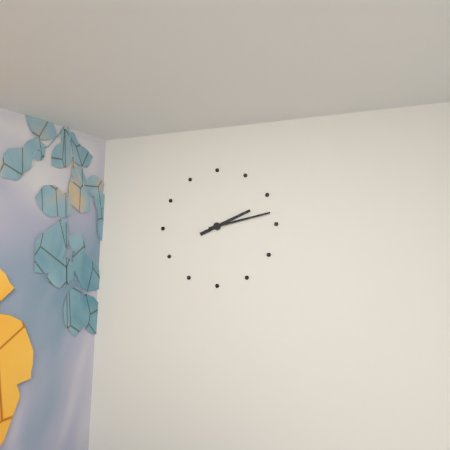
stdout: 2 h 13 min
